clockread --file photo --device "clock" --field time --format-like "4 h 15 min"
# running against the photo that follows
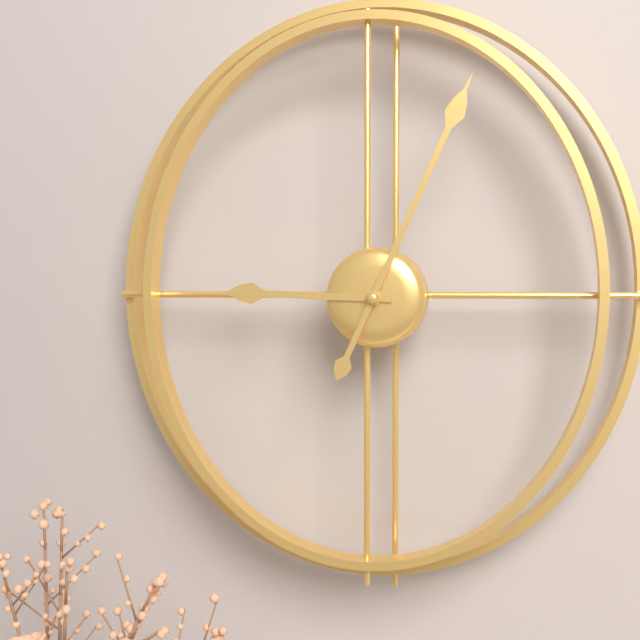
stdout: 9 h 04 min
